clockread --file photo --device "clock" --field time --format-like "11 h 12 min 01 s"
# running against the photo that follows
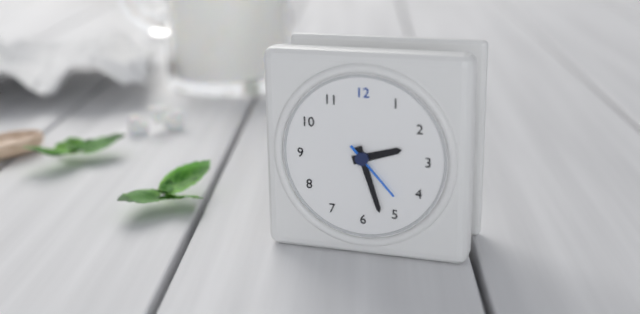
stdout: 2 h 27 min 23 s
